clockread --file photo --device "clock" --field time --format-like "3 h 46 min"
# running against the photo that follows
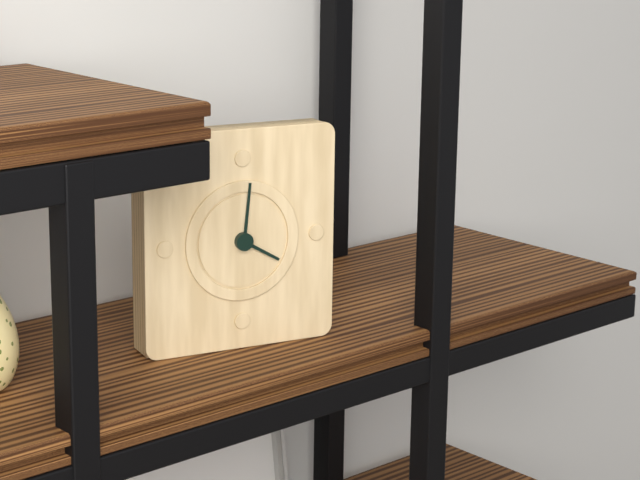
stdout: 4 h 01 min
